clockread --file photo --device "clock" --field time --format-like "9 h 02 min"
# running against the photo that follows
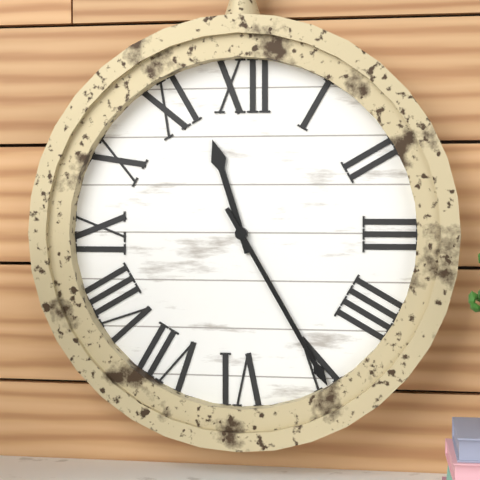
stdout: 11 h 25 min
